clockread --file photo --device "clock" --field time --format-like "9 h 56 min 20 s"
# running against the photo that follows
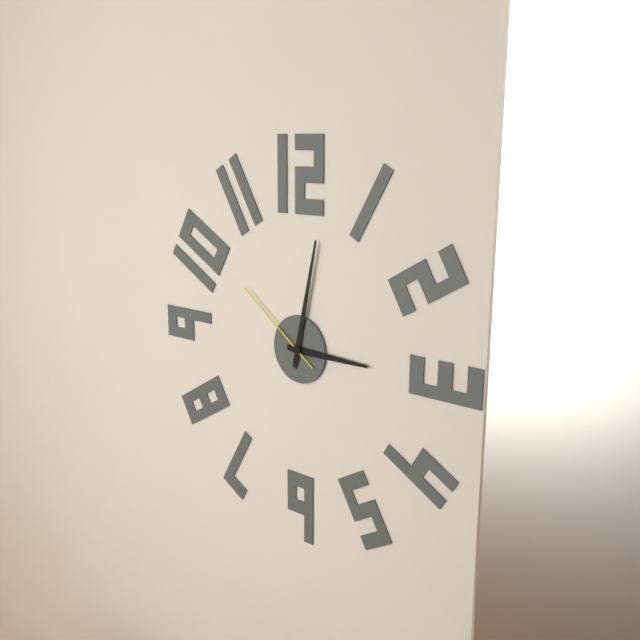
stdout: 3 h 02 min 51 s
